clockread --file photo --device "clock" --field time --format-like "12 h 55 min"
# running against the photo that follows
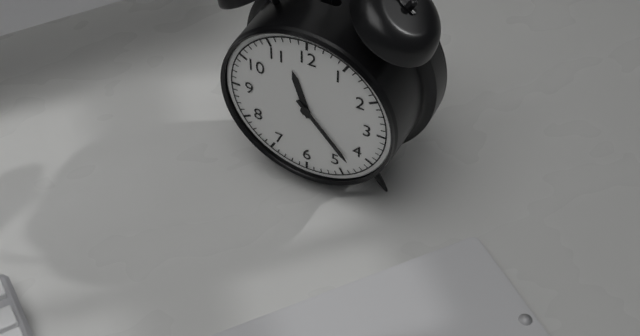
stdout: 11 h 23 min
